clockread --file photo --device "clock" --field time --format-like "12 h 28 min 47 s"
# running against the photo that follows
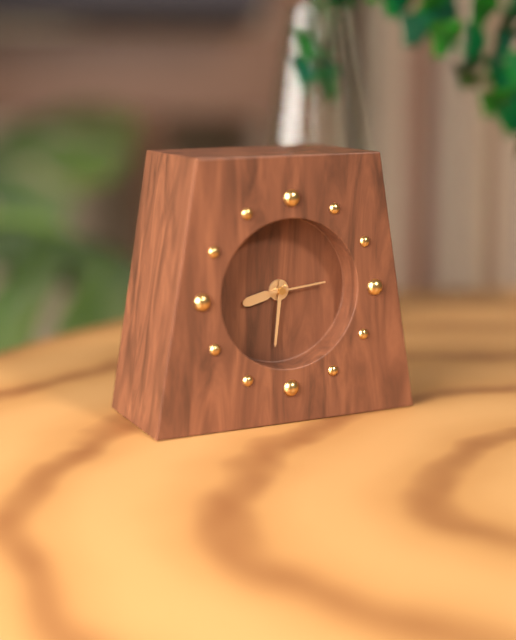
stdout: 8 h 31 min 14 s
